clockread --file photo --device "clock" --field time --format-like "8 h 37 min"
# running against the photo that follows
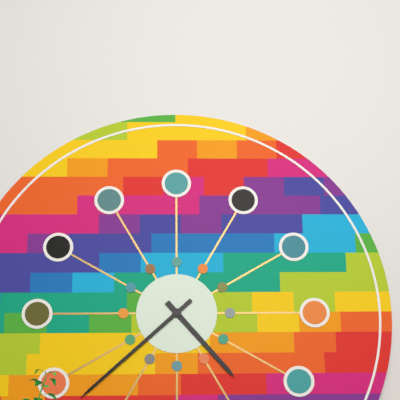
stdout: 4 h 38 min
